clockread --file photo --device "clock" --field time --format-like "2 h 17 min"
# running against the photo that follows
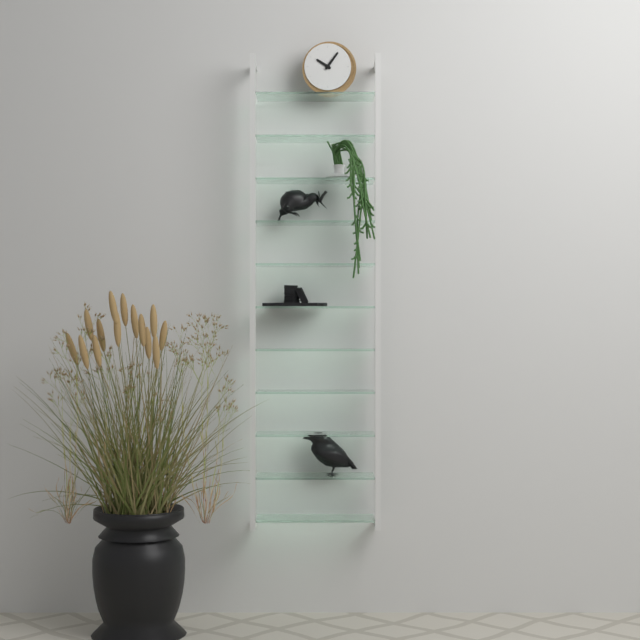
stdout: 10 h 06 min
